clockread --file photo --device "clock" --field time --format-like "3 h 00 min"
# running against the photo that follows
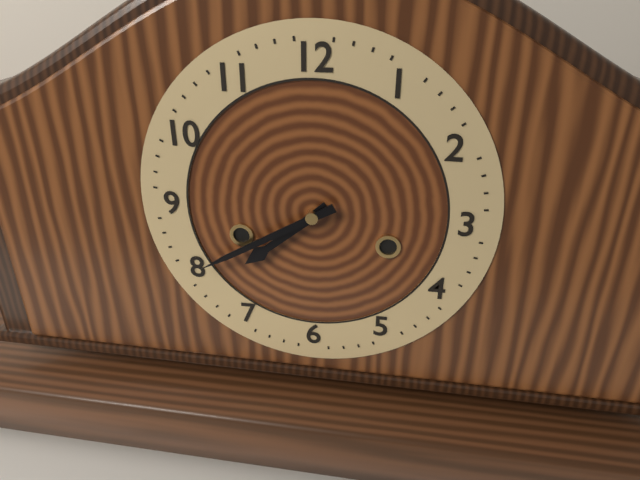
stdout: 7 h 40 min
